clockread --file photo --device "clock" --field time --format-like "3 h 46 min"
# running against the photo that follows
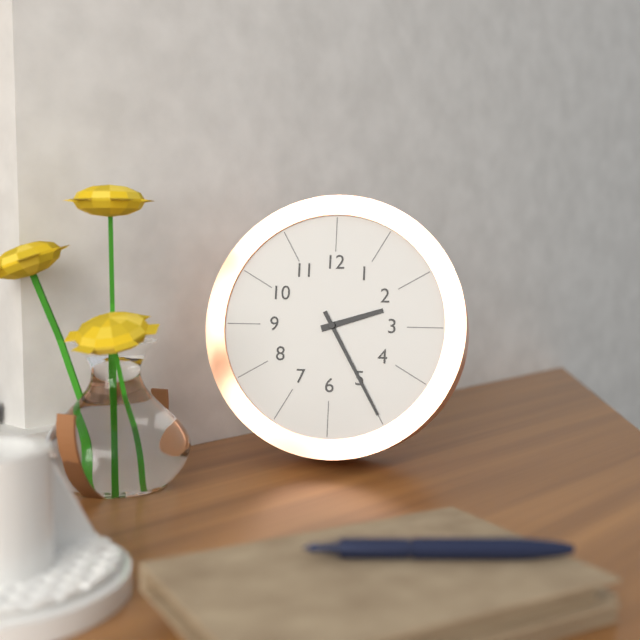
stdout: 2 h 25 min
